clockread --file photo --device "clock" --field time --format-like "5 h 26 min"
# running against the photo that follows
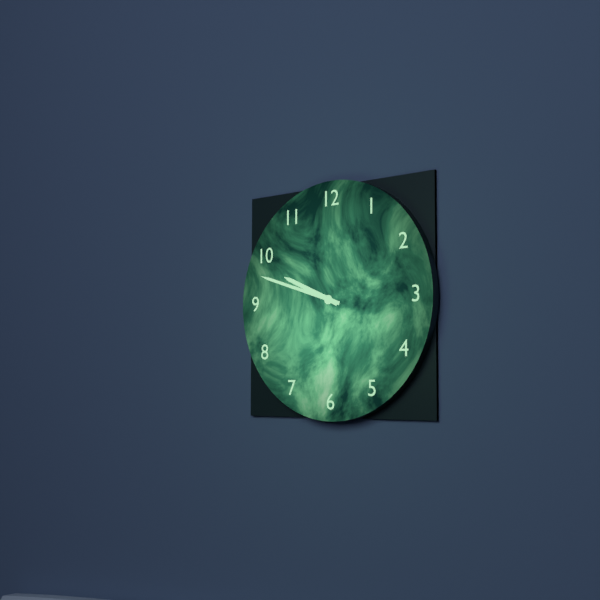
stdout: 9 h 48 min
